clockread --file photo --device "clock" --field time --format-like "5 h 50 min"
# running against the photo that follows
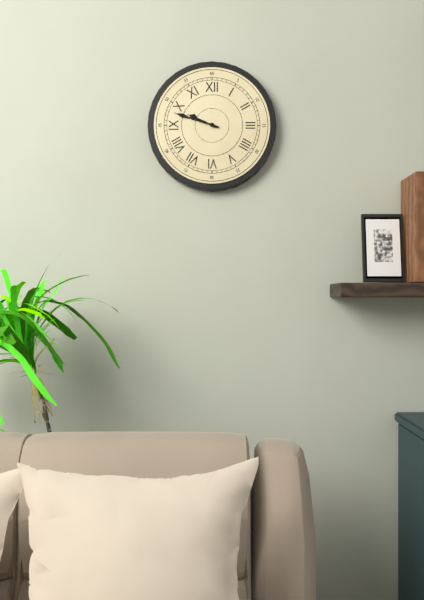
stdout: 9 h 48 min
